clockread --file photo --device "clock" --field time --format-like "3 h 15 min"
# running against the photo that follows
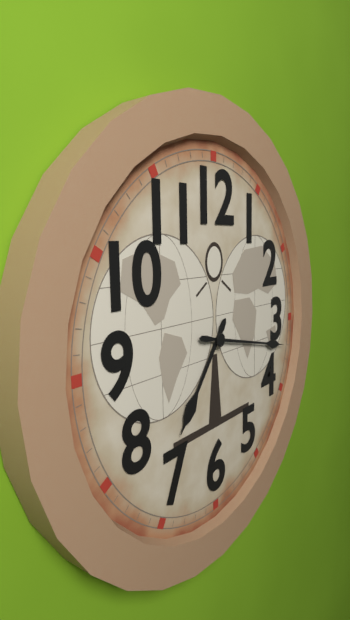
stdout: 7 h 17 min
